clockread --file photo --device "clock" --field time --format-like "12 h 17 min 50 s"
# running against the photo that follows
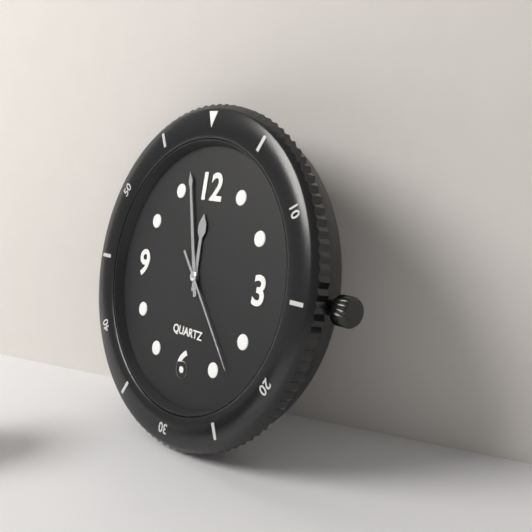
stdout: 11 h 57 min 23 s
